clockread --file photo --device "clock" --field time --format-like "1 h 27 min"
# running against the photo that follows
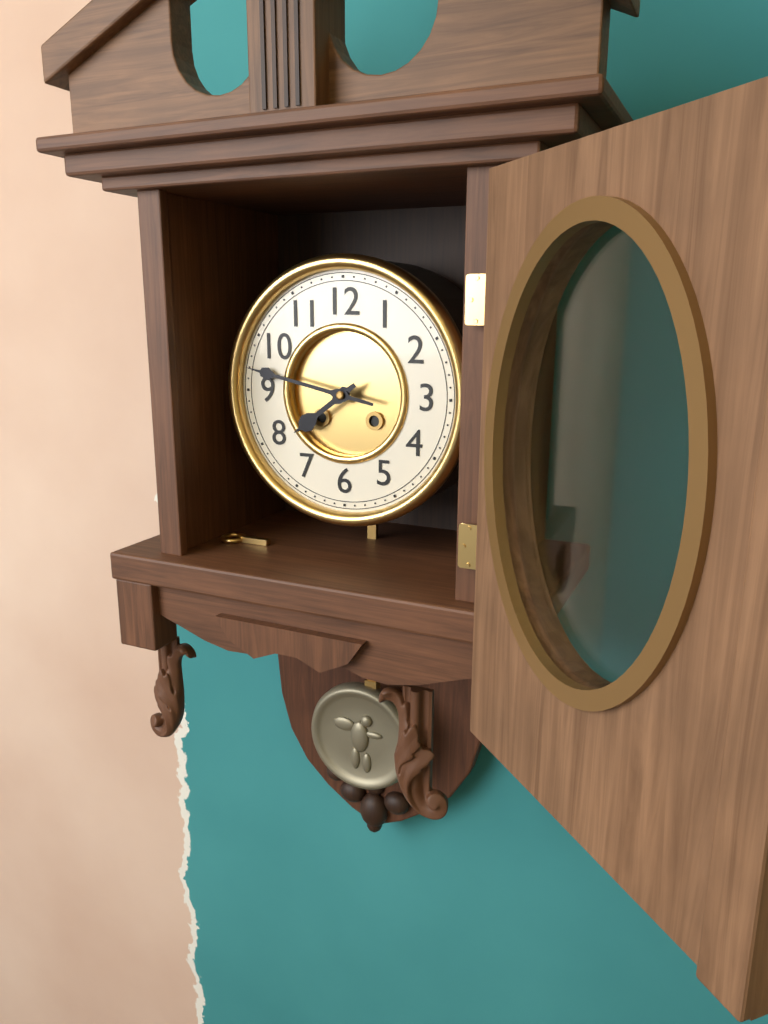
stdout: 7 h 47 min
